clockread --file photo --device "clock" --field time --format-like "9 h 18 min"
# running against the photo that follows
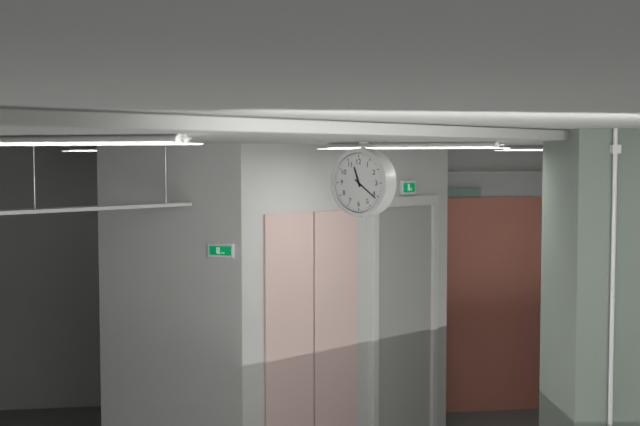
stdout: 11 h 21 min
